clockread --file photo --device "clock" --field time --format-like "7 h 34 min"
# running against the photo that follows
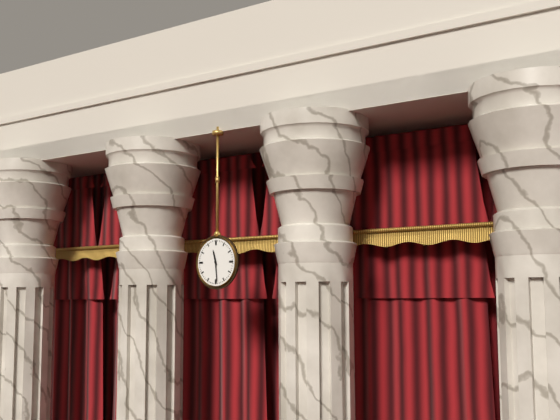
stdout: 11 h 29 min
